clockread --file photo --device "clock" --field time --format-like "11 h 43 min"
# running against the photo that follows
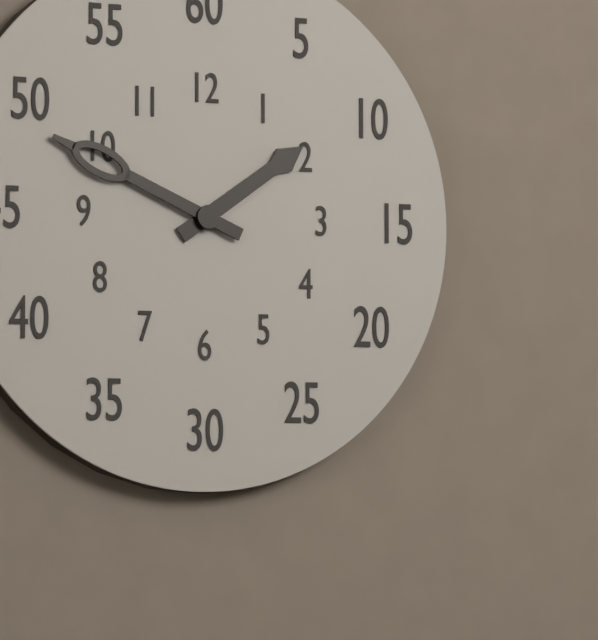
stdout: 1 h 49 min
